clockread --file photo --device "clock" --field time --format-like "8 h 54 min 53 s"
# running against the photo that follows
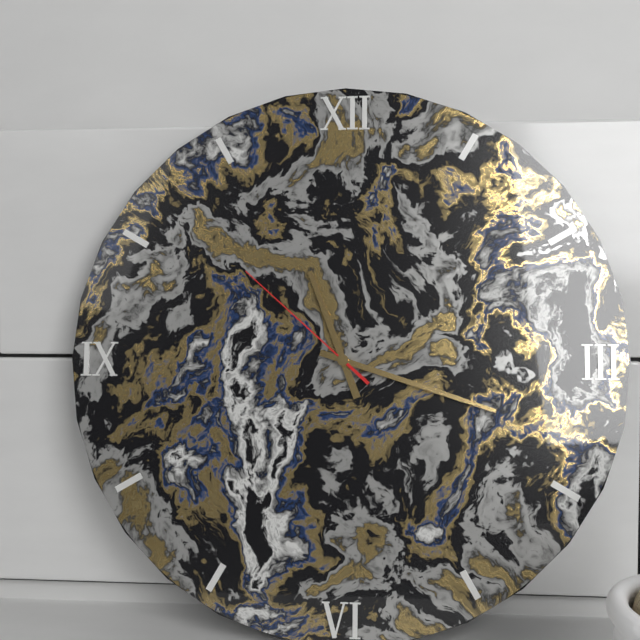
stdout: 11 h 18 min 52 s
